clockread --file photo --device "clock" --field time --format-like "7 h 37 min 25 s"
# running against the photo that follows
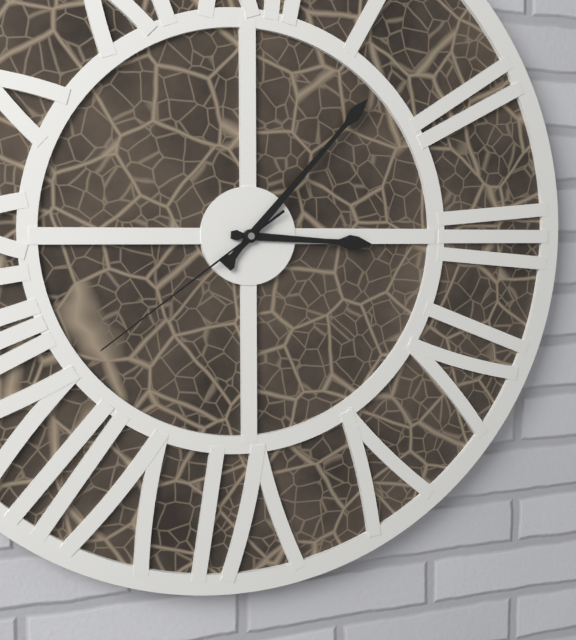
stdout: 3 h 07 min 39 s
